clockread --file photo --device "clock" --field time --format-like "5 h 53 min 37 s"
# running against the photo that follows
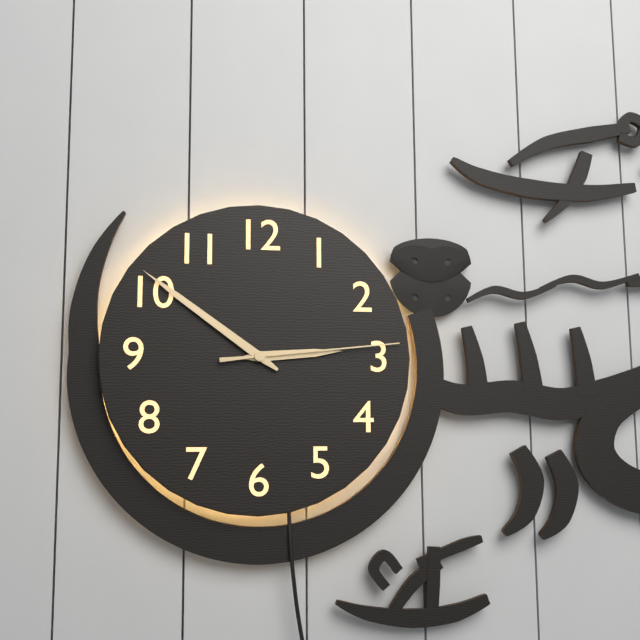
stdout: 2 h 51 min 14 s
